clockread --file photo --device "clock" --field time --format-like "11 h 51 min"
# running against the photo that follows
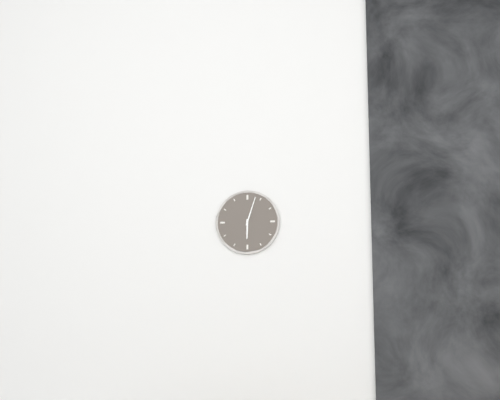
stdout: 6 h 03 min
